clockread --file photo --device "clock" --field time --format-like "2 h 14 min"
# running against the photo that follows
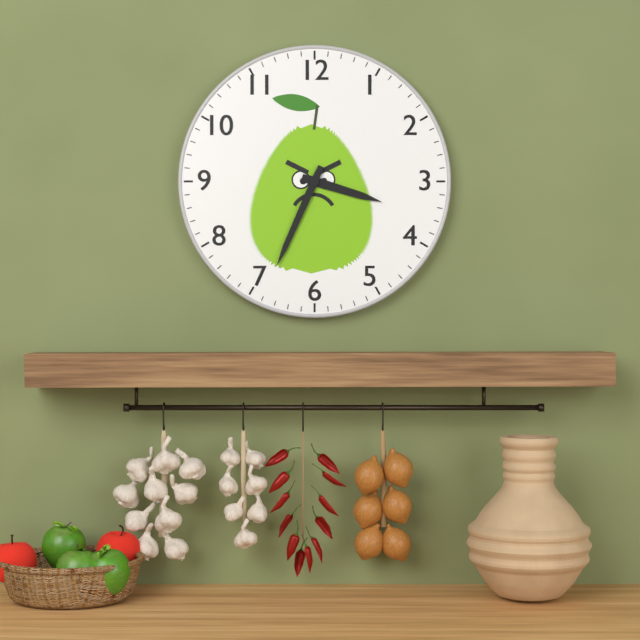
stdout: 3 h 34 min
